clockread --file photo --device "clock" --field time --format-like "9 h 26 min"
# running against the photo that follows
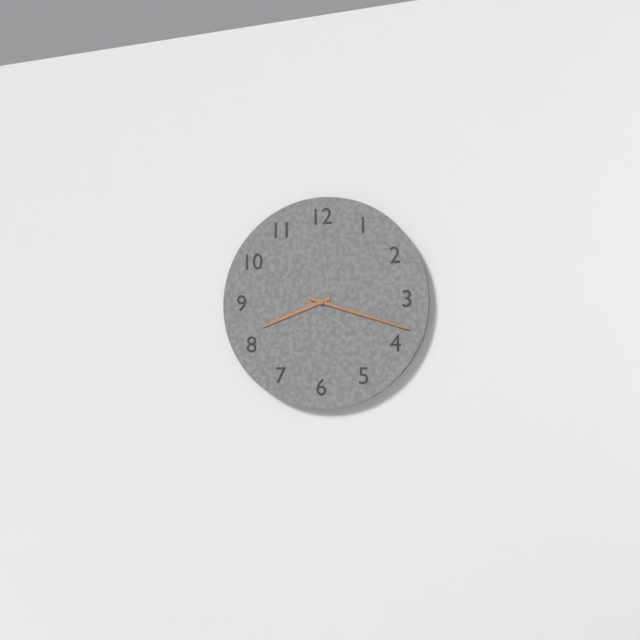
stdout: 8 h 18 min
